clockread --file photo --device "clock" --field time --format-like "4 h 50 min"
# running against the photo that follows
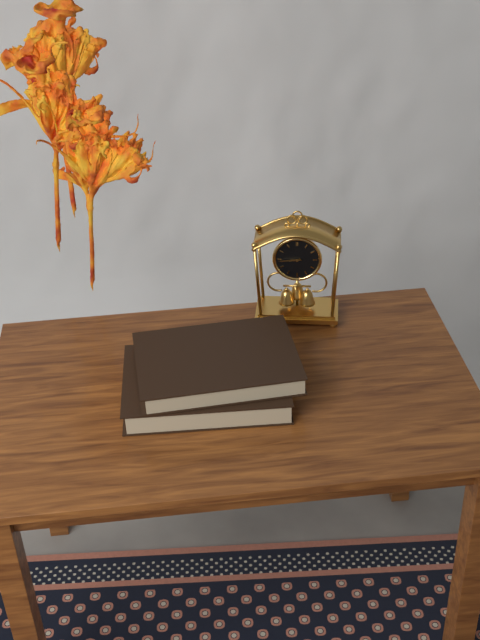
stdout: 8 h 44 min
